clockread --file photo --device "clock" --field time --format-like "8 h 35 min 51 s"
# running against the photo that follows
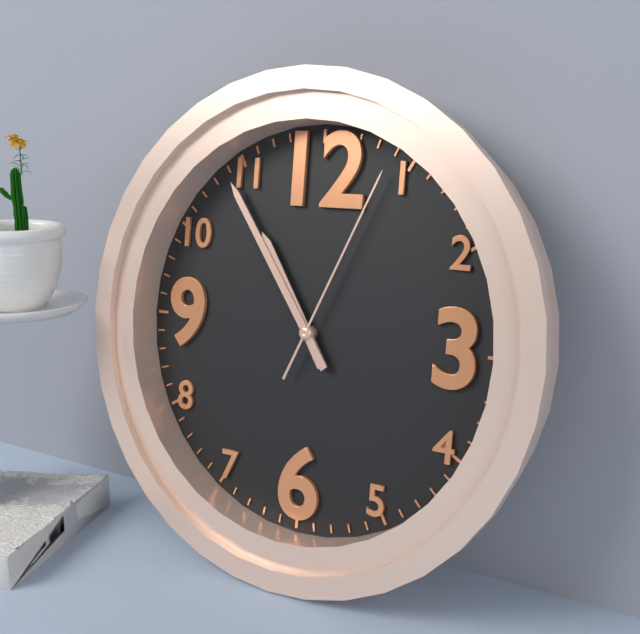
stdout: 10 h 54 min 04 s
